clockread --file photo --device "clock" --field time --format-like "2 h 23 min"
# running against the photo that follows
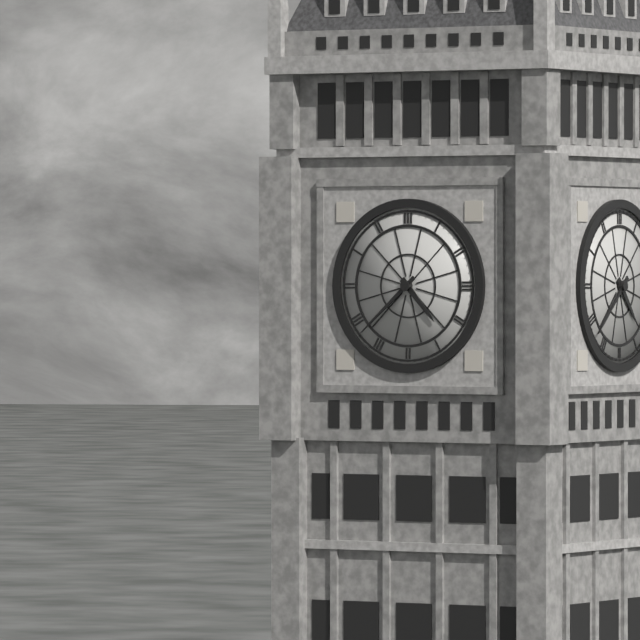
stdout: 4 h 38 min
